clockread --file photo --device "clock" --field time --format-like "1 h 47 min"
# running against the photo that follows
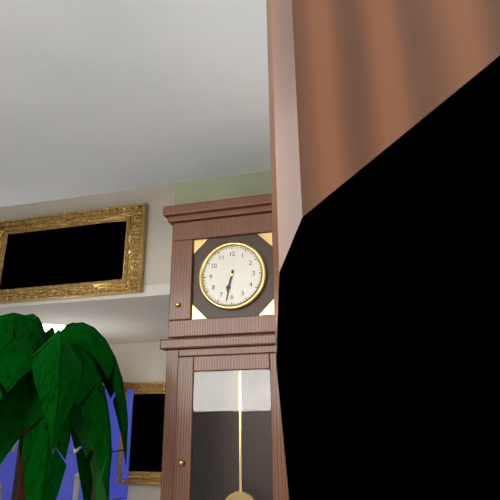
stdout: 6 h 32 min
